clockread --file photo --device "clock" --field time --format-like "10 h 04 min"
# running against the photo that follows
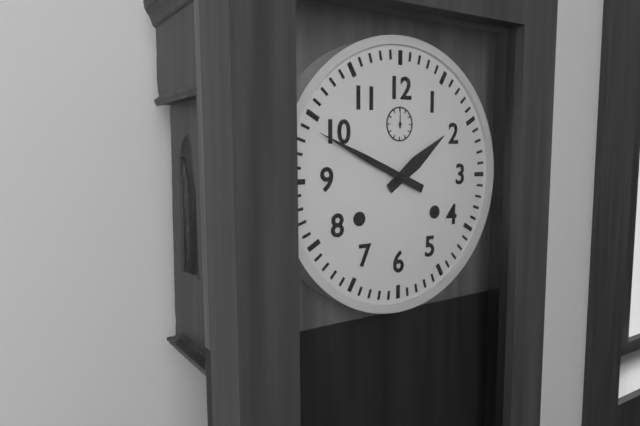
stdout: 1 h 49 min
